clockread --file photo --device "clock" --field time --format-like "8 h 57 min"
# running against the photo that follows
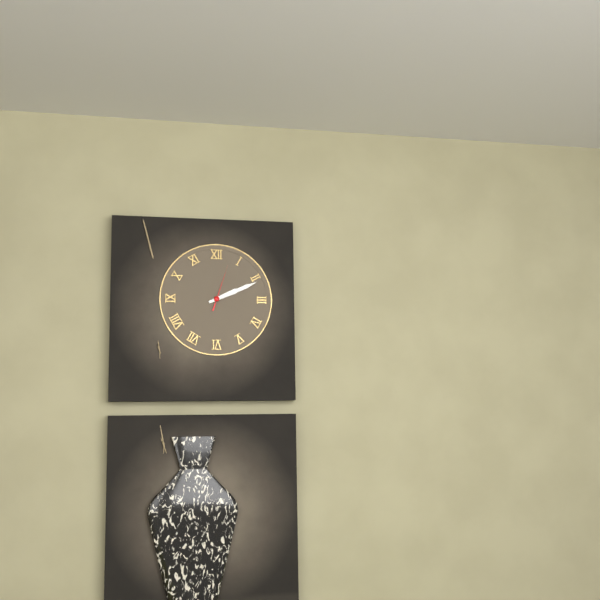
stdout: 2 h 11 min
